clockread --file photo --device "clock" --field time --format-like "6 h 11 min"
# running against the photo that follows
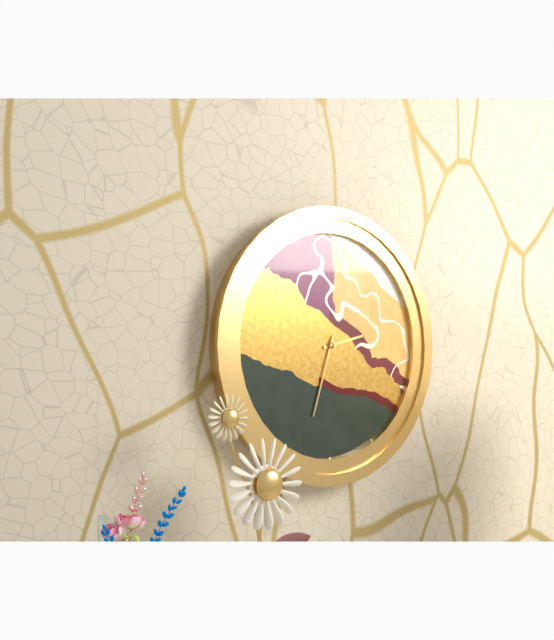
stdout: 2 h 33 min
